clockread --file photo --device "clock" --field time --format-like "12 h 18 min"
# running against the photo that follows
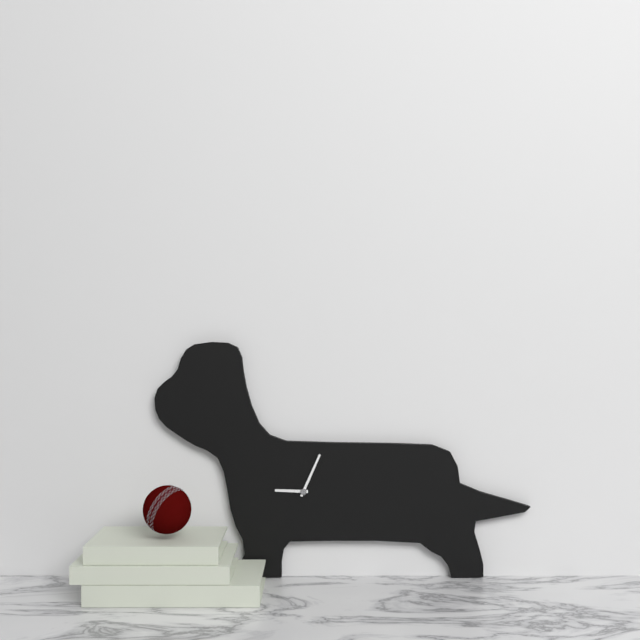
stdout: 9 h 04 min
